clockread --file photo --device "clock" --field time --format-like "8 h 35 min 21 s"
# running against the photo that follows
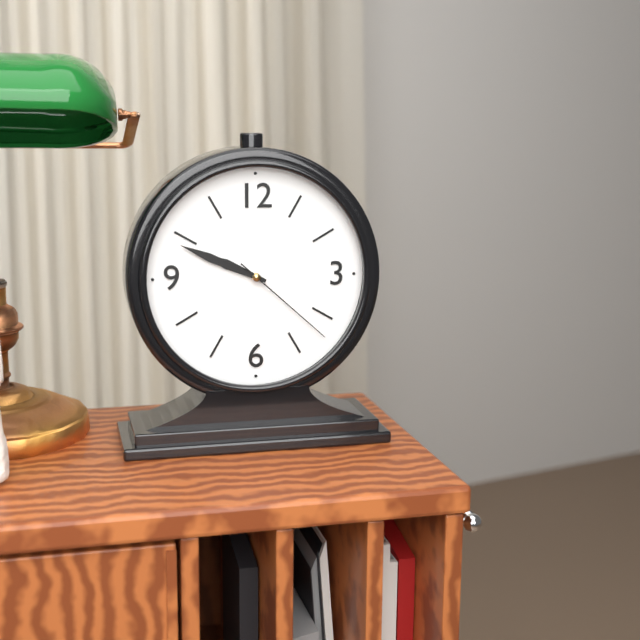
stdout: 9 h 49 min 22 s
